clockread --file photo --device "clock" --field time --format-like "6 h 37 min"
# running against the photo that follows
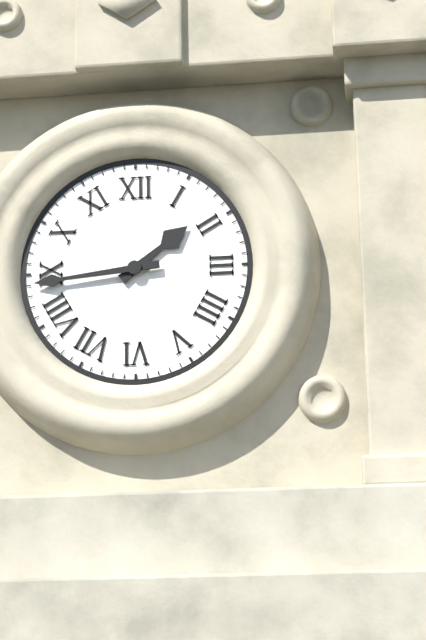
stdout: 1 h 44 min
